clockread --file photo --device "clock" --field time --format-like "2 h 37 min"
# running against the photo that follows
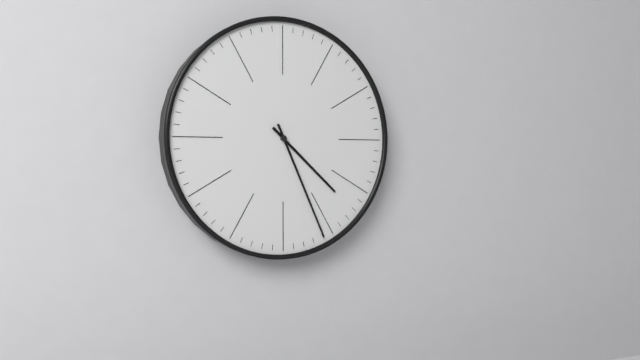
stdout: 4 h 26 min
